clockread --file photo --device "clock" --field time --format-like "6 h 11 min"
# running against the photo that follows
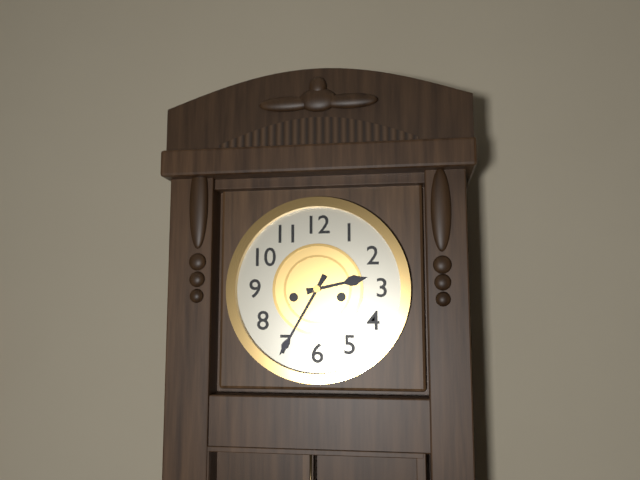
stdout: 2 h 35 min
